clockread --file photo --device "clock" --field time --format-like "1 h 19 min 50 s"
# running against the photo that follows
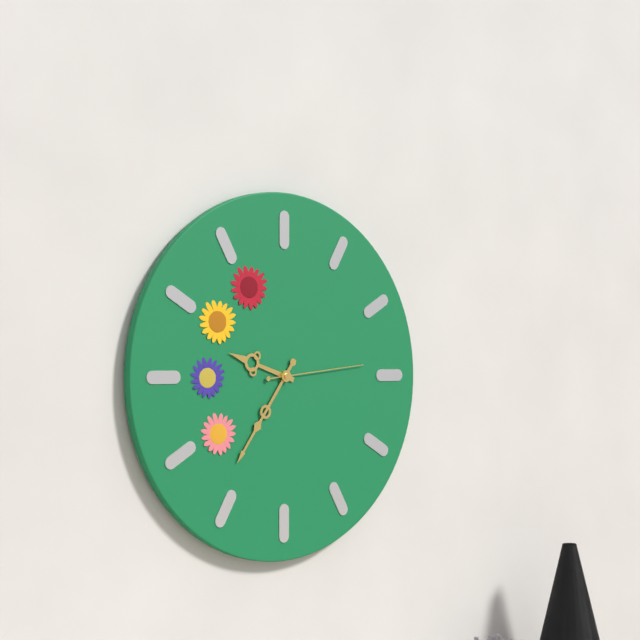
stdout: 9 h 36 min 14 s
